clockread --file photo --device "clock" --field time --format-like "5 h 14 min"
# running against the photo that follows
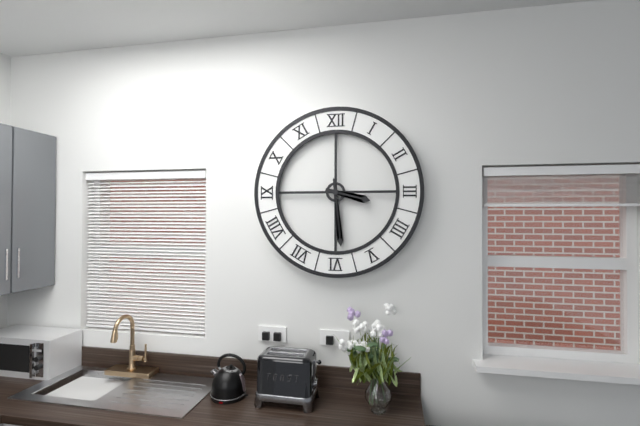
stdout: 3 h 29 min
